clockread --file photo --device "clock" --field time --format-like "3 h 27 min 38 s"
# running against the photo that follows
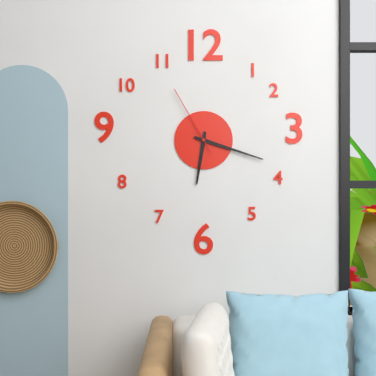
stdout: 6 h 18 min 55 s
